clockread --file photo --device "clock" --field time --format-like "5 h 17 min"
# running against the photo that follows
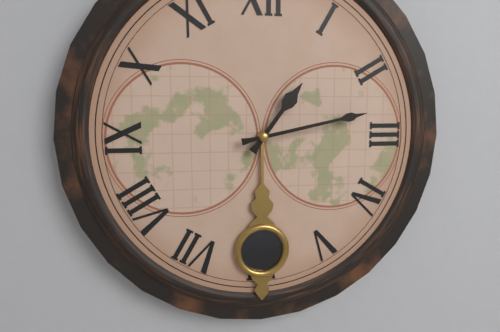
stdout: 1 h 13 min
